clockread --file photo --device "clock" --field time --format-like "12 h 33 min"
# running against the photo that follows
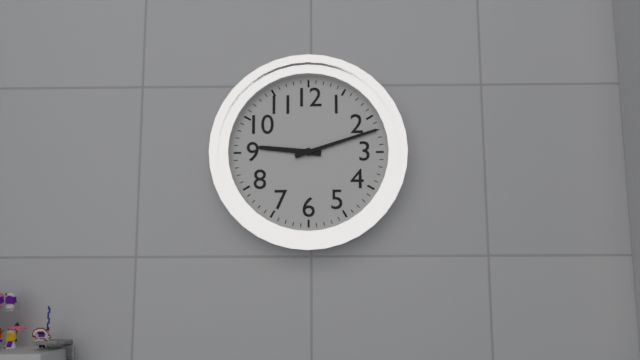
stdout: 9 h 12 min
